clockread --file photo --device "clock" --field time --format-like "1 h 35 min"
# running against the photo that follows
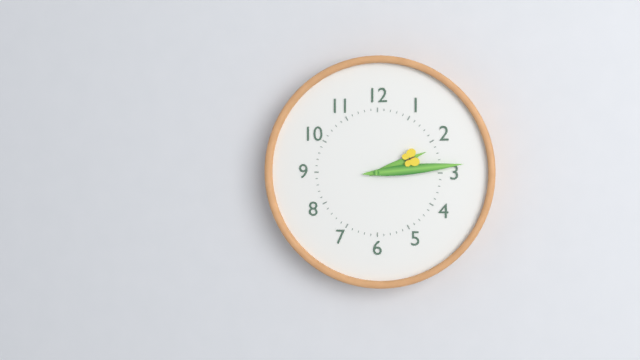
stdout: 2 h 14 min
